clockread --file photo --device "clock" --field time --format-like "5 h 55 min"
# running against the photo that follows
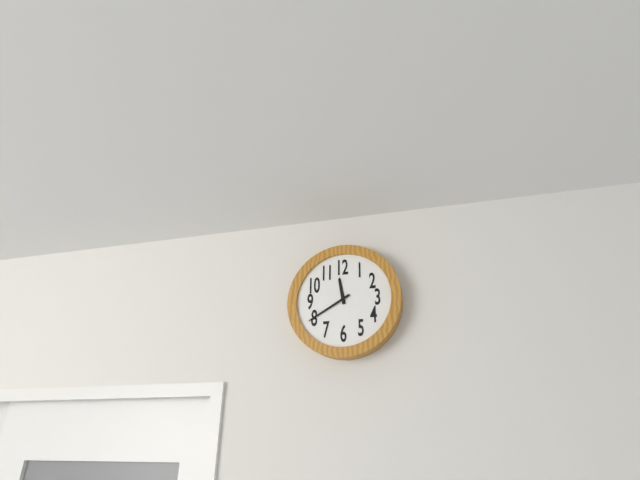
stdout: 11 h 40 min
